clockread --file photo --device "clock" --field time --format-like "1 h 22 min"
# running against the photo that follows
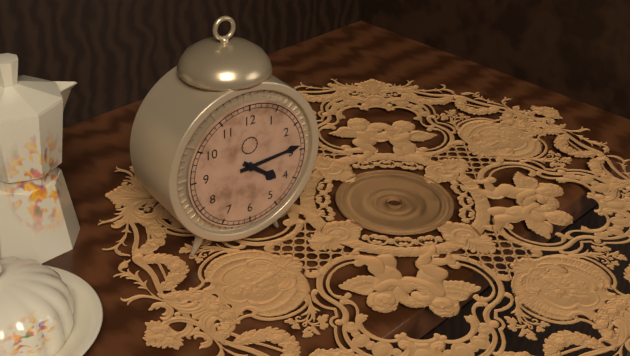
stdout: 4 h 14 min
